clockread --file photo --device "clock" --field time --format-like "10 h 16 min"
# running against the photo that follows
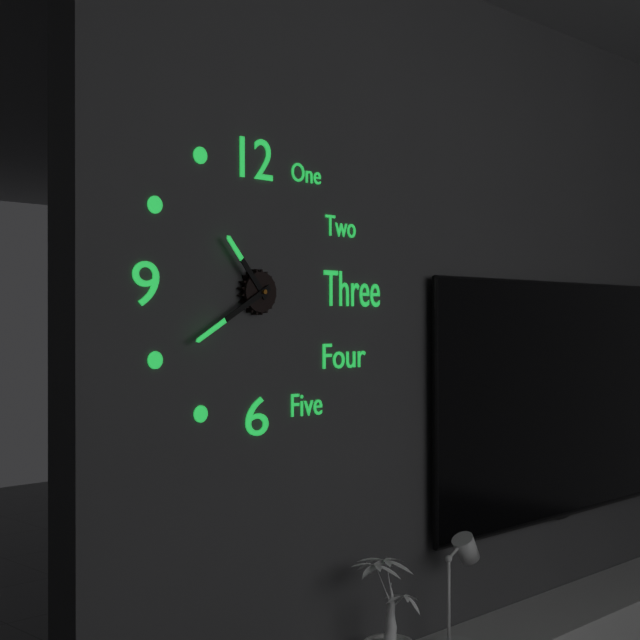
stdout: 10 h 40 min
